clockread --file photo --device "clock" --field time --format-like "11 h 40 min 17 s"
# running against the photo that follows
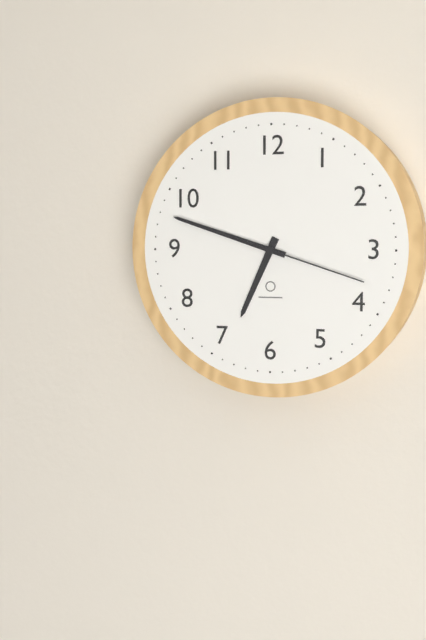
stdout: 6 h 48 min 18 s
